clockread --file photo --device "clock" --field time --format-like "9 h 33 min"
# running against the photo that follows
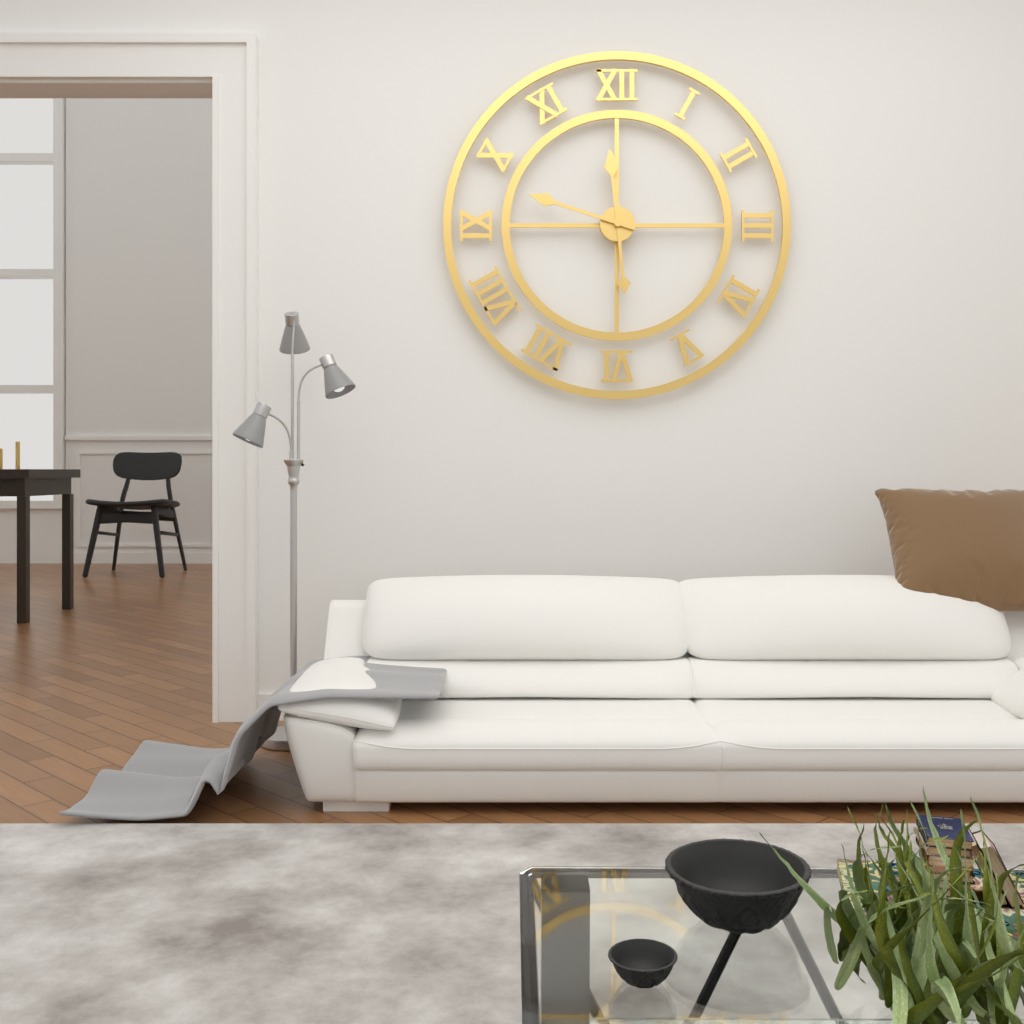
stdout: 11 h 48 min
